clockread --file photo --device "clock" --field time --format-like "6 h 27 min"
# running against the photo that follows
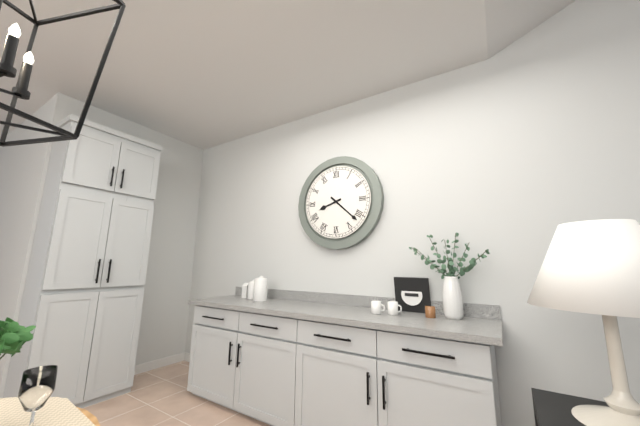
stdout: 8 h 22 min
